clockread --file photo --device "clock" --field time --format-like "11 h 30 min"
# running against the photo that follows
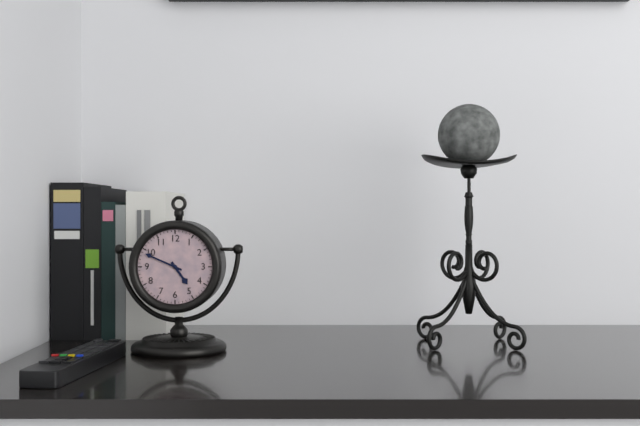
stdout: 4 h 49 min
